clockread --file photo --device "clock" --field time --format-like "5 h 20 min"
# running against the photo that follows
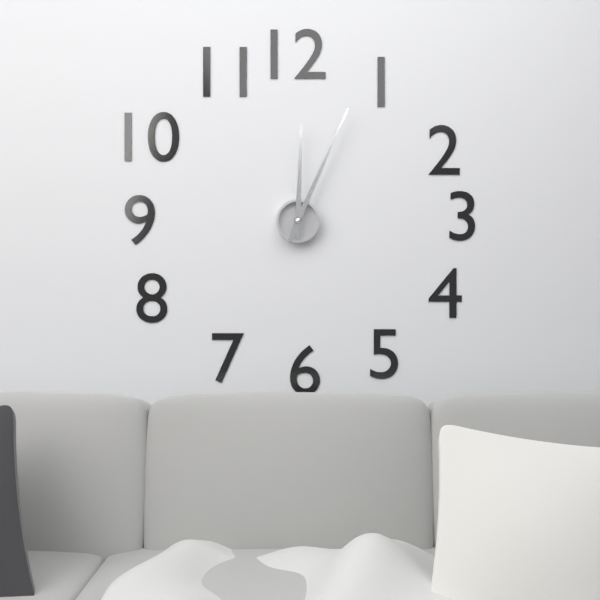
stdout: 12 h 04 min
